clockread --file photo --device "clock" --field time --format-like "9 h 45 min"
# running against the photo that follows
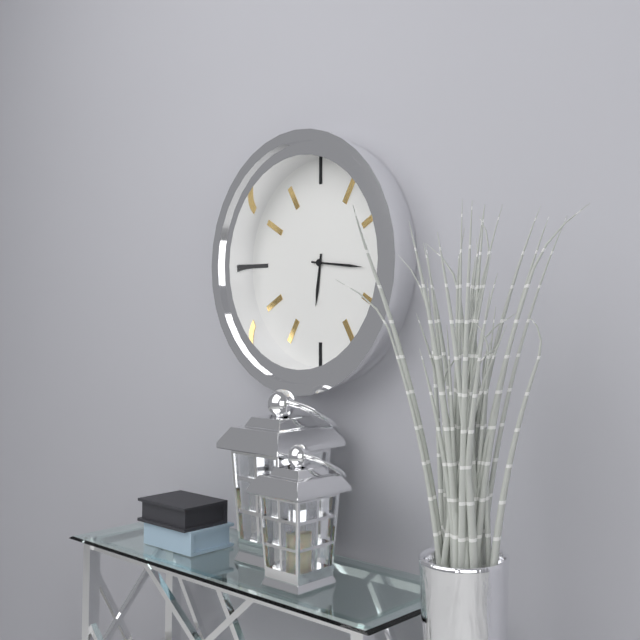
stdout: 6 h 16 min
